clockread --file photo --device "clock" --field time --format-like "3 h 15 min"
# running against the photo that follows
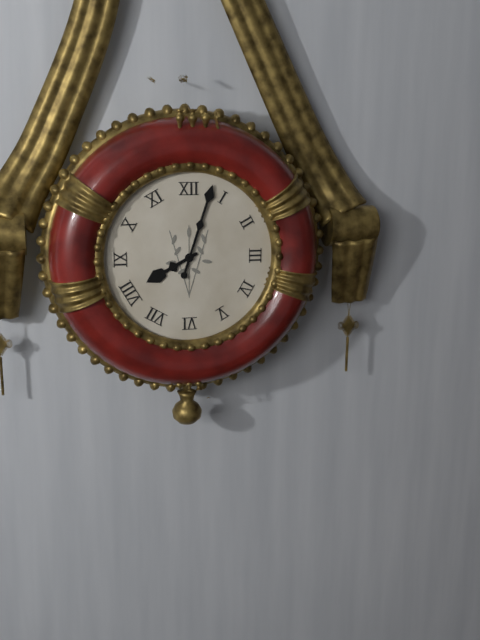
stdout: 8 h 03 min
